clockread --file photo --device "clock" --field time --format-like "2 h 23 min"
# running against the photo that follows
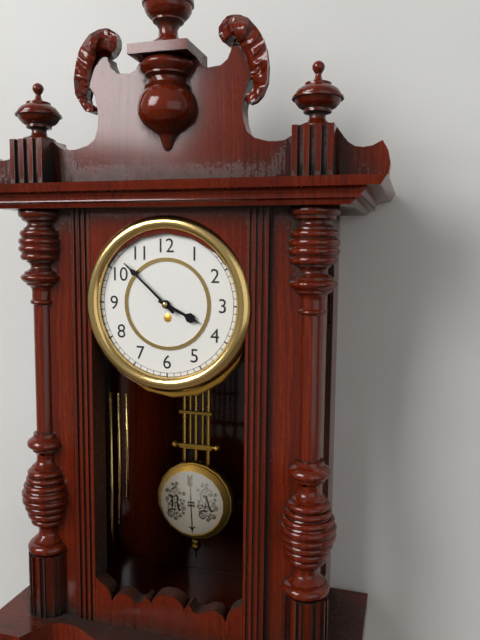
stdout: 3 h 52 min
